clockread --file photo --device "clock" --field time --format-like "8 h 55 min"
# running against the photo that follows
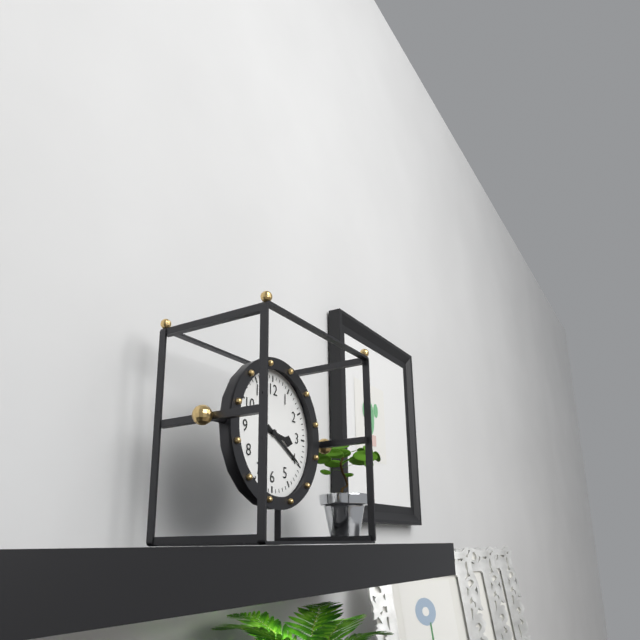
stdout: 3 h 20 min
